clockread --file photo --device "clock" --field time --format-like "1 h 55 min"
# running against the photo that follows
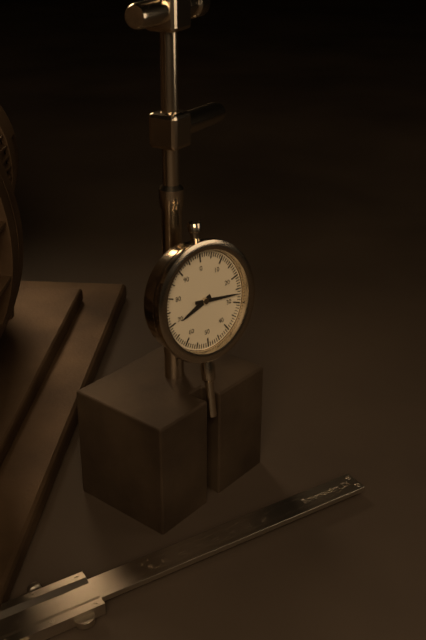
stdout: 8 h 16 min
